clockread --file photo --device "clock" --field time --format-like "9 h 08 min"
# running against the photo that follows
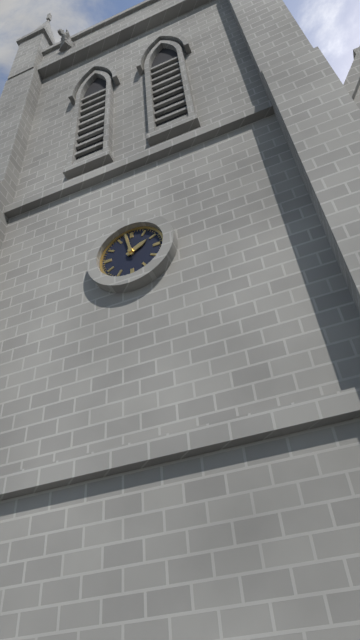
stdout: 1 h 58 min
